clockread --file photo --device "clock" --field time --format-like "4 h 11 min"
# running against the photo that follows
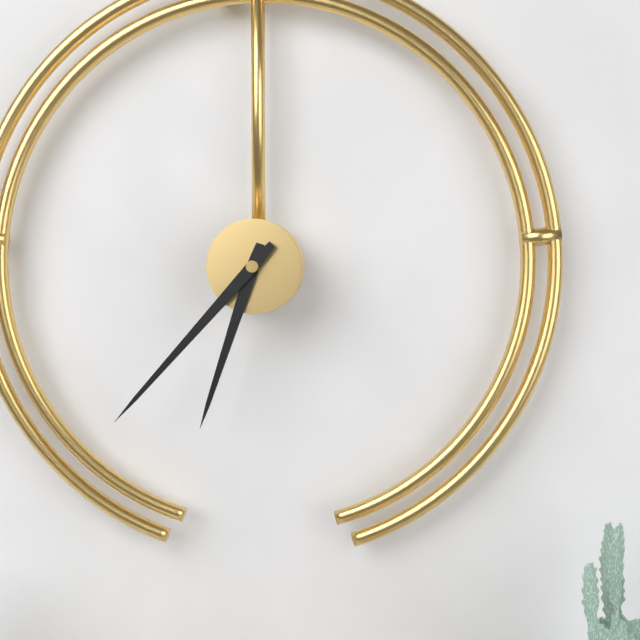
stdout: 6 h 37 min
